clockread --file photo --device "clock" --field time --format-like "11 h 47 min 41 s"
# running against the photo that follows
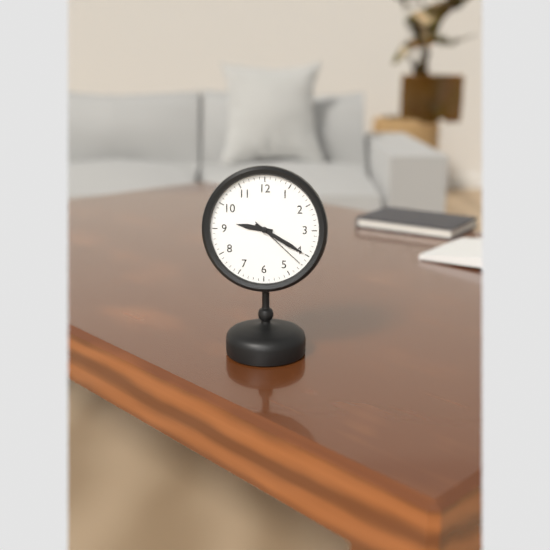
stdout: 9 h 20 min 22 s
